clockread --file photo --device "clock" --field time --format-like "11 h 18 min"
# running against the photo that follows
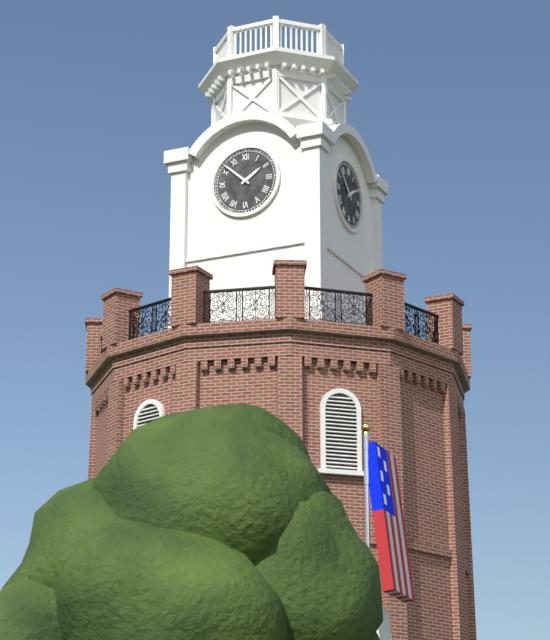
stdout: 1 h 52 min
